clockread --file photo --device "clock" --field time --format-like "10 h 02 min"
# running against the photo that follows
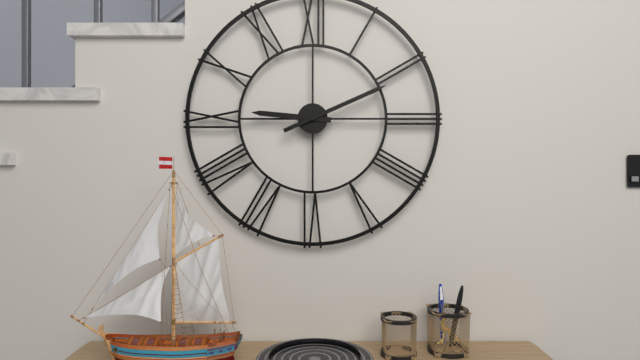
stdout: 9 h 11 min
